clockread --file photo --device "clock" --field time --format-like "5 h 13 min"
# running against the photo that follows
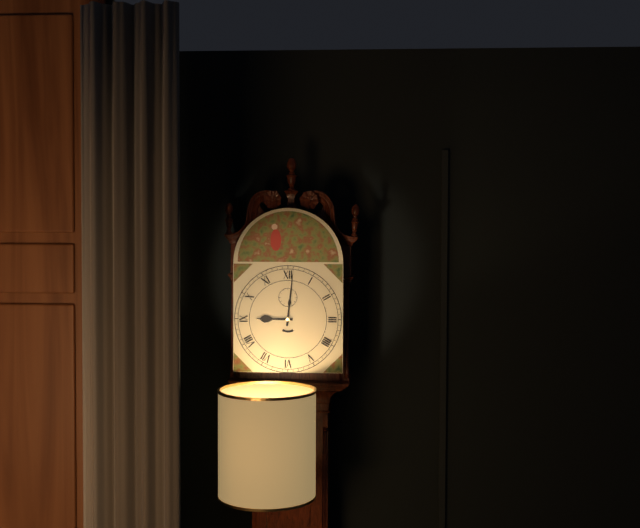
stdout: 9 h 01 min
